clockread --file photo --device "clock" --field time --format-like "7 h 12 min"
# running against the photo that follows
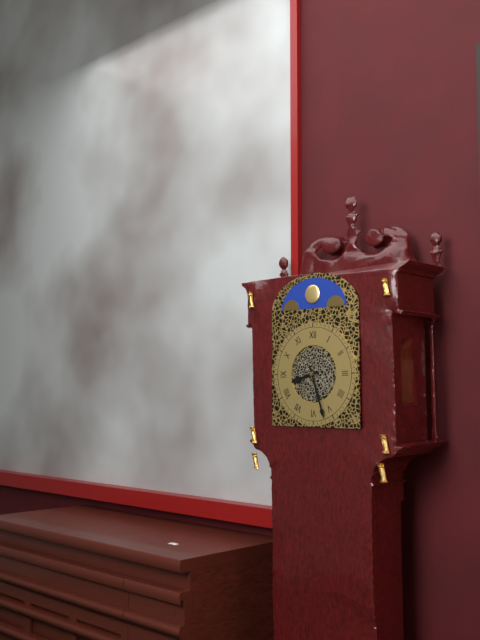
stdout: 8 h 27 min
